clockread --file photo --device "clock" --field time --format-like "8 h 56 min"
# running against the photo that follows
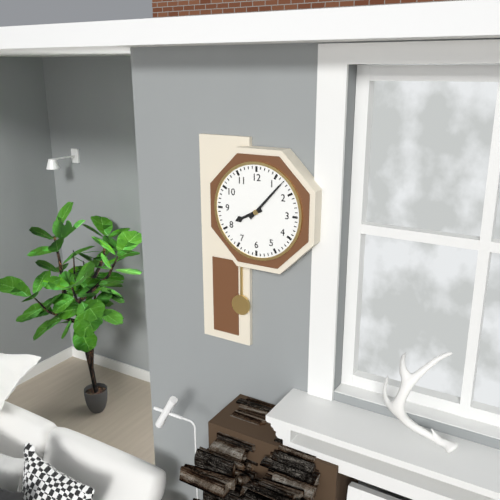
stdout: 8 h 07 min
